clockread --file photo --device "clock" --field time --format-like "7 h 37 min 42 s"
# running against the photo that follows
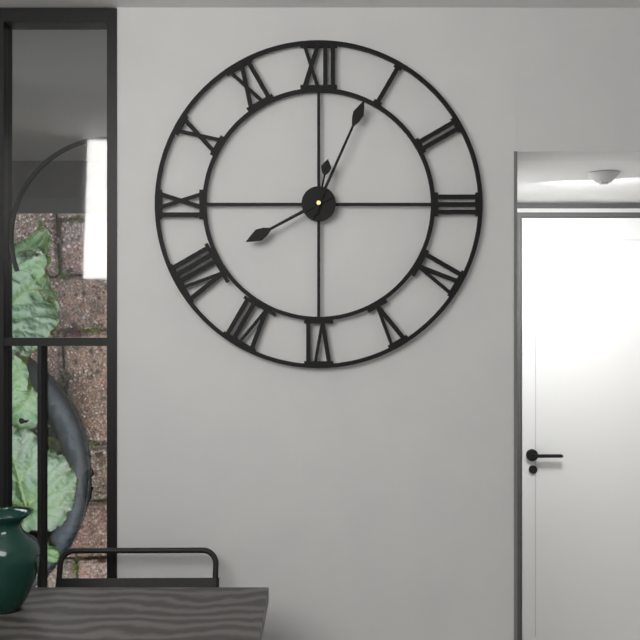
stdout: 8 h 04 min 02 s
